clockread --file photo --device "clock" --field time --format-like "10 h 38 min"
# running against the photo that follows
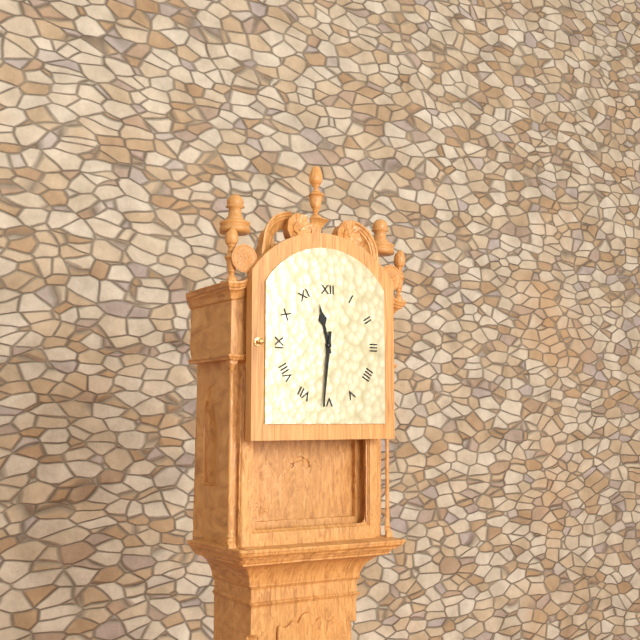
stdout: 11 h 31 min
